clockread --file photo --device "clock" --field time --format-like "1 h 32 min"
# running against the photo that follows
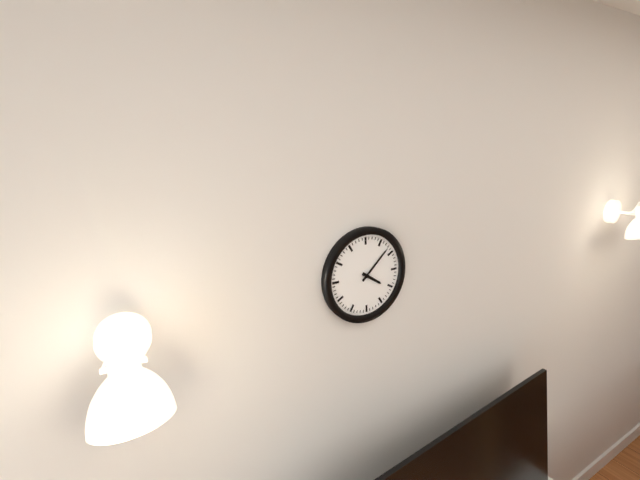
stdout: 4 h 08 min
